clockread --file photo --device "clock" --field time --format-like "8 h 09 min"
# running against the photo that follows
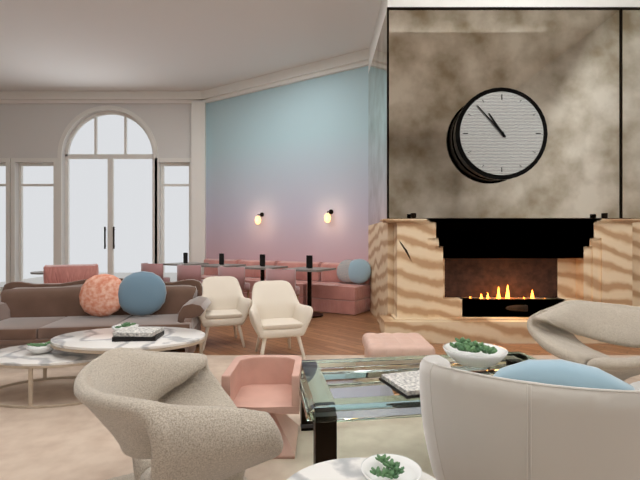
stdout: 10 h 53 min
